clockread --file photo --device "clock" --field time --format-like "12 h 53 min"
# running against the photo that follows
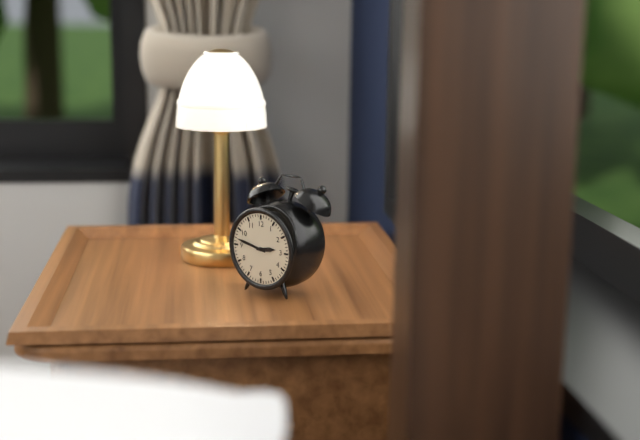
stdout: 2 h 47 min
